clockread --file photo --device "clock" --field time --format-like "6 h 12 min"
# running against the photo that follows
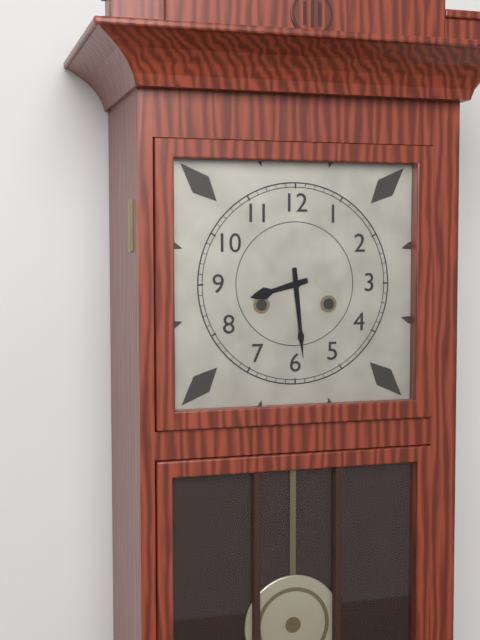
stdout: 8 h 29 min
